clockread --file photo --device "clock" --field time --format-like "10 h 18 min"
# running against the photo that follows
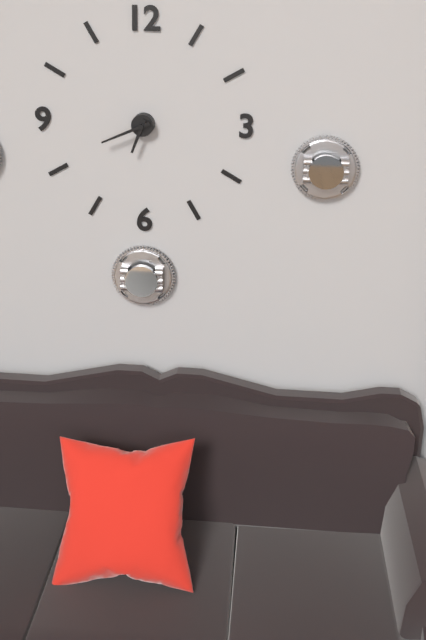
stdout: 6 h 41 min
